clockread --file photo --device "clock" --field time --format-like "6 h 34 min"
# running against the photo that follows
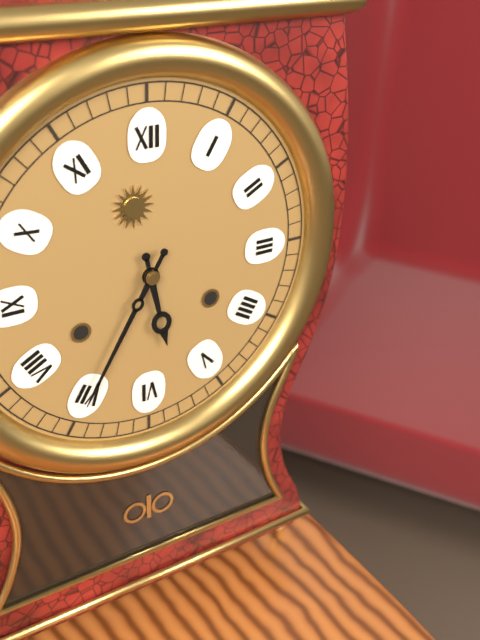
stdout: 5 h 35 min
